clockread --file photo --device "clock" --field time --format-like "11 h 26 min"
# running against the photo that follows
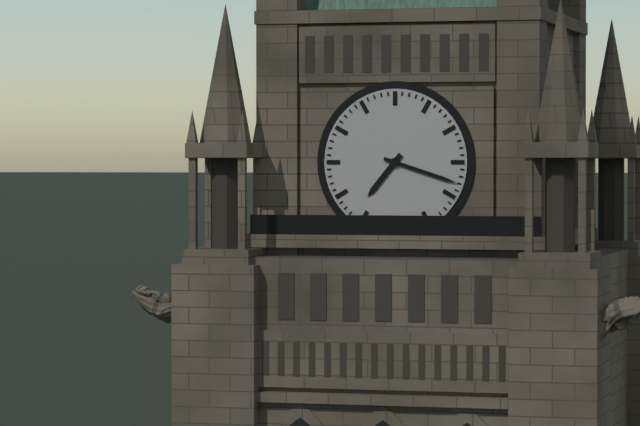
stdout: 7 h 18 min
